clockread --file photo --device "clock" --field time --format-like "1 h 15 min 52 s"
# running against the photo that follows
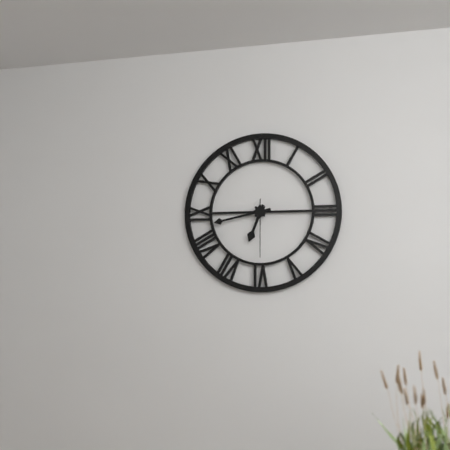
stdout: 6 h 43 min 30 s
